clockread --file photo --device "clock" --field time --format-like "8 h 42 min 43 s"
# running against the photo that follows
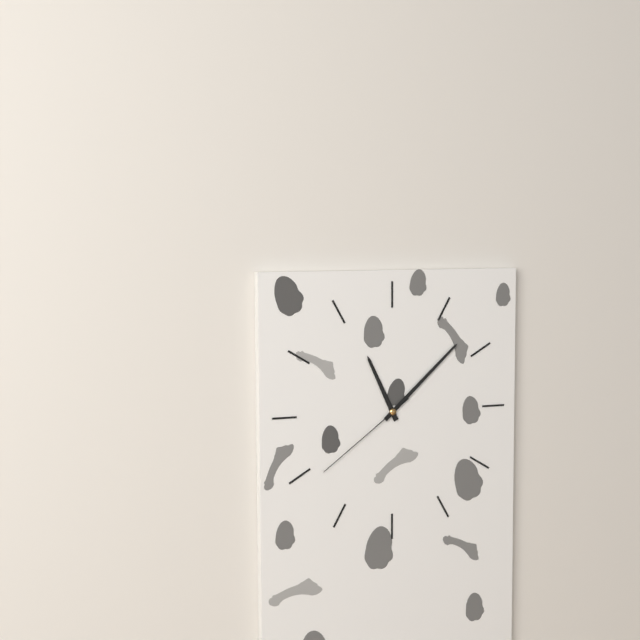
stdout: 11 h 08 min 39 s
